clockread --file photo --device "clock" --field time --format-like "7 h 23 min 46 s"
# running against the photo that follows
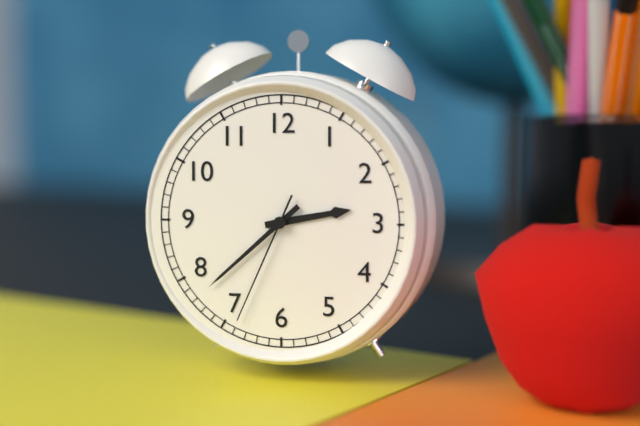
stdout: 2 h 38 min 34 s
